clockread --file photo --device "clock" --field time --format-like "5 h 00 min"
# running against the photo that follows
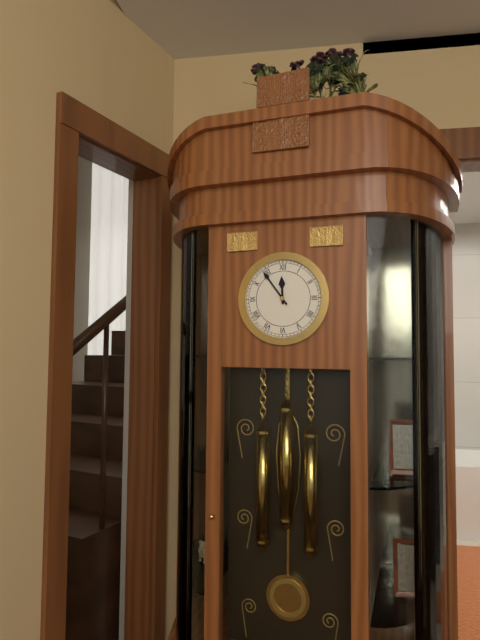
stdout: 11 h 54 min
